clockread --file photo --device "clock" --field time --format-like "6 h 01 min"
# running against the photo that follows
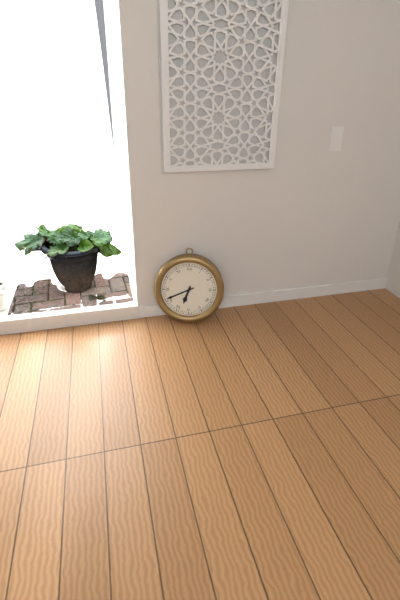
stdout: 6 h 41 min
